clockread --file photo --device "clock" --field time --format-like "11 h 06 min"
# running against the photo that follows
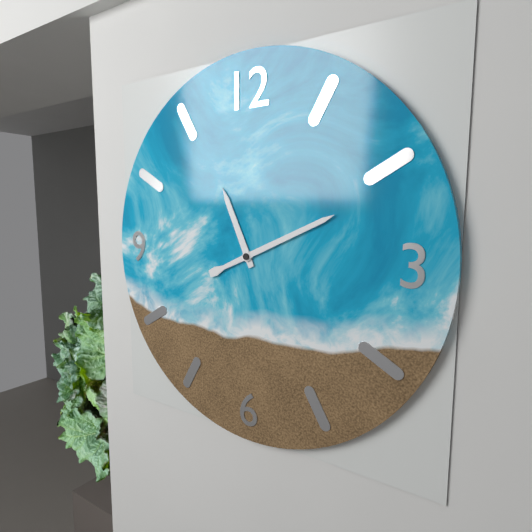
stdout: 11 h 11 min
